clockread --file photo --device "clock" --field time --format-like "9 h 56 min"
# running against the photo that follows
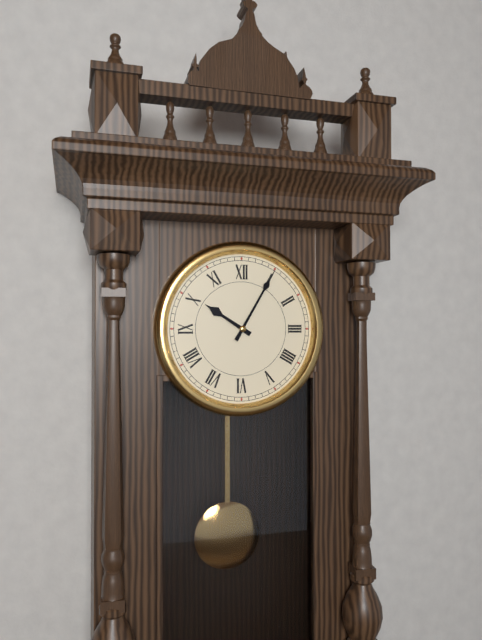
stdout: 10 h 05 min
